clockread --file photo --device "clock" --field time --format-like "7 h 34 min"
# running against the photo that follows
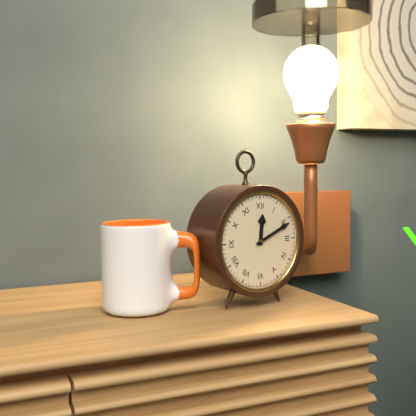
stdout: 12 h 11 min
